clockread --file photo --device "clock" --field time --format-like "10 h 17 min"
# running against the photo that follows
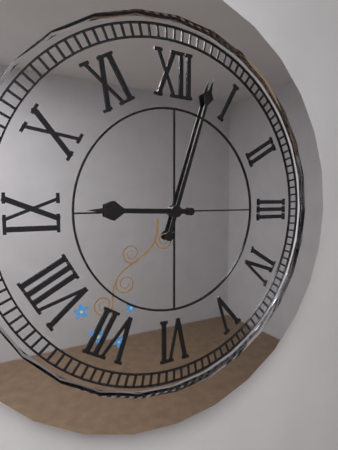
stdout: 9 h 03 min
